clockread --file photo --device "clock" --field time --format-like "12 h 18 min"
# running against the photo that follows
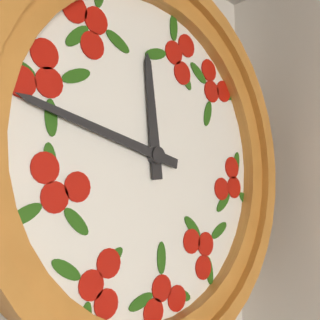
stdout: 11 h 47 min
